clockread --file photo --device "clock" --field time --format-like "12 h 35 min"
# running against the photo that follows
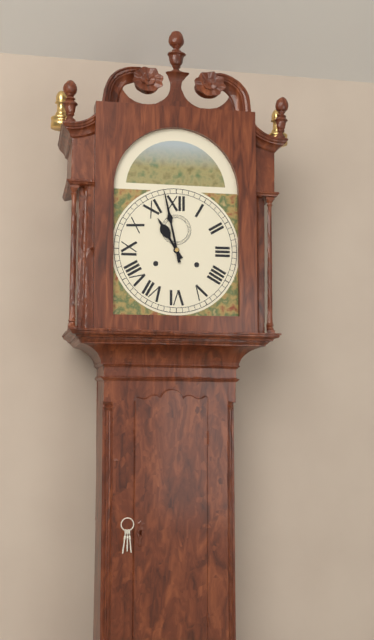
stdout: 10 h 58 min
